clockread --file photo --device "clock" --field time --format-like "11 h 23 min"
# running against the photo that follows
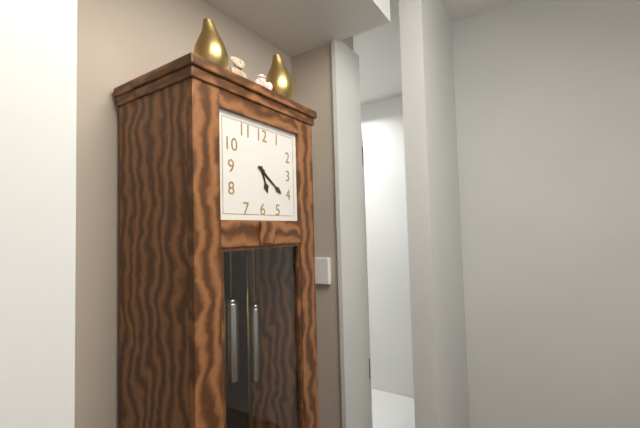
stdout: 5 h 21 min
